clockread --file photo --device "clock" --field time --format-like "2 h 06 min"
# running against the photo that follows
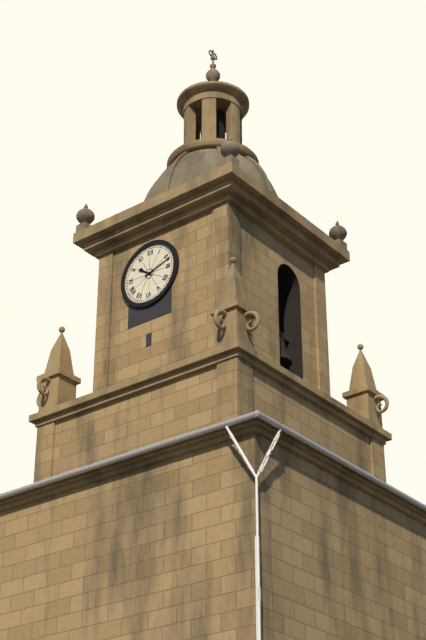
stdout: 10 h 12 min
